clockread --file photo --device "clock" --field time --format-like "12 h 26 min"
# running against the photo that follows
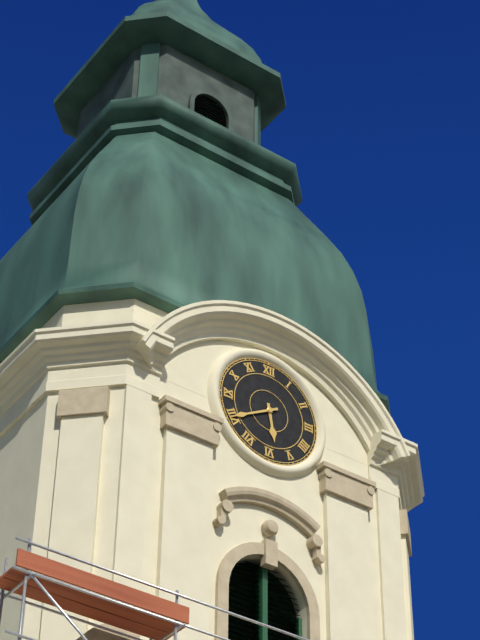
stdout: 5 h 40 min
